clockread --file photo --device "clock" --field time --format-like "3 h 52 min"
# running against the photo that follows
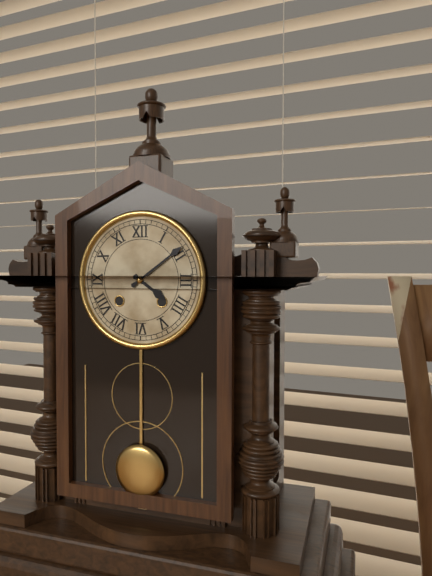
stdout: 4 h 09 min
